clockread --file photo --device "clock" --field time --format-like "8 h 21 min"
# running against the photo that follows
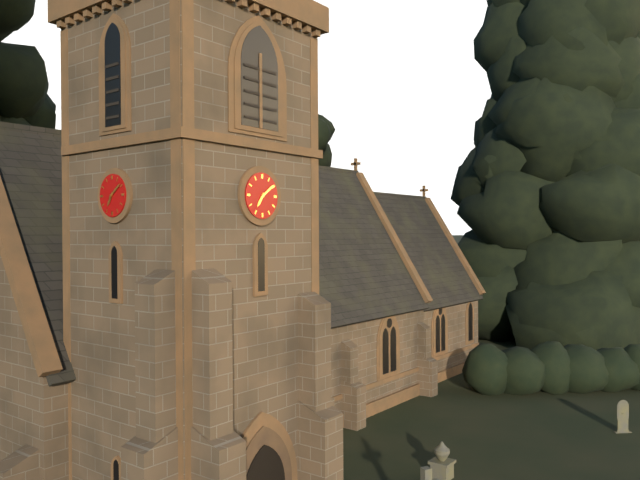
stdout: 7 h 09 min
